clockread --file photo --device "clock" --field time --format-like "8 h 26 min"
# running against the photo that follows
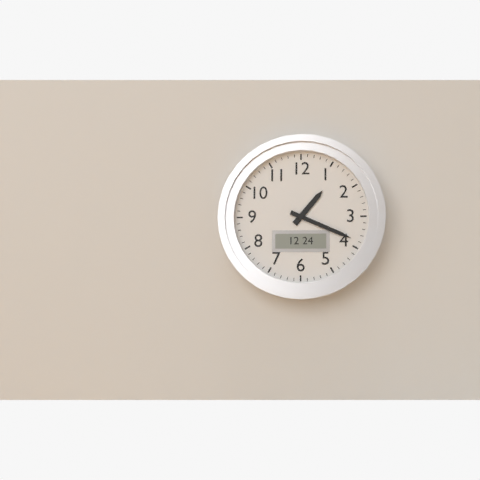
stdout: 1 h 19 min
